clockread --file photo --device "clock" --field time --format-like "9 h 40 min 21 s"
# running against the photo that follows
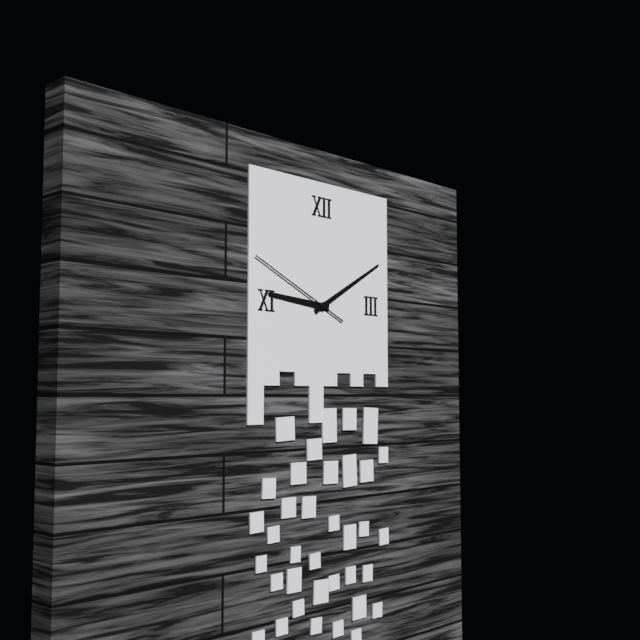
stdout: 9 h 10 min 49 s
